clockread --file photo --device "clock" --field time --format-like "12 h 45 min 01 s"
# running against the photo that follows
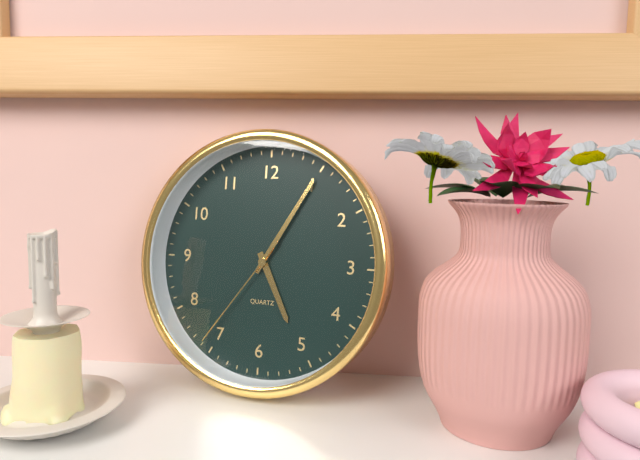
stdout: 5 h 05 min 36 s
